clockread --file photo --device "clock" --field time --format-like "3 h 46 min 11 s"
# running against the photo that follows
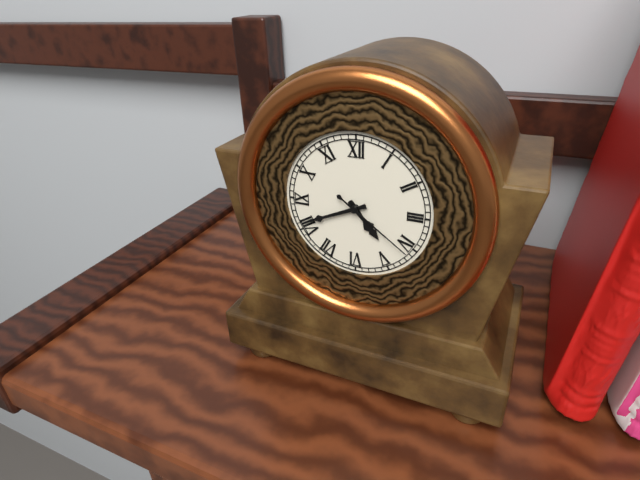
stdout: 4 h 41 min 21 s
